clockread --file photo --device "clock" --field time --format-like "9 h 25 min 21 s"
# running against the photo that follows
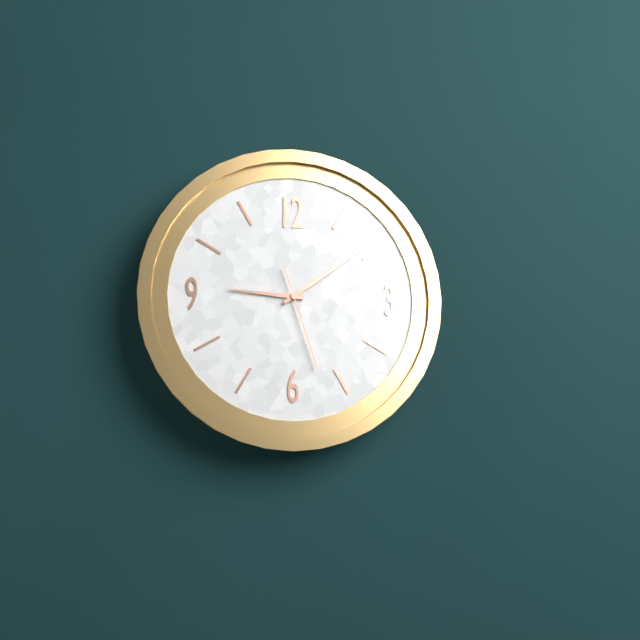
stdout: 9 h 09 min 27 s
